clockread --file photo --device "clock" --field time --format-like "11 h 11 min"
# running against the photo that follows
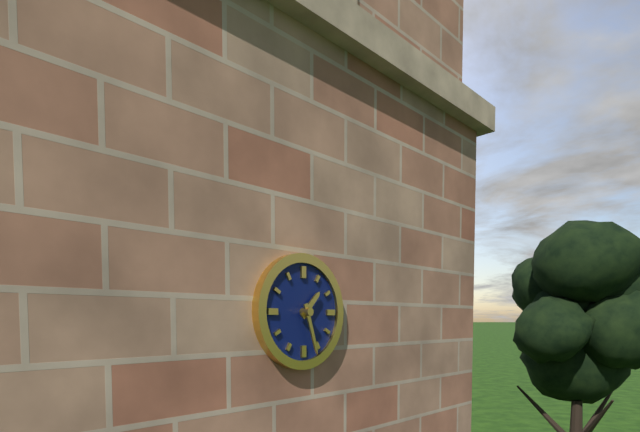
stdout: 1 h 27 min
